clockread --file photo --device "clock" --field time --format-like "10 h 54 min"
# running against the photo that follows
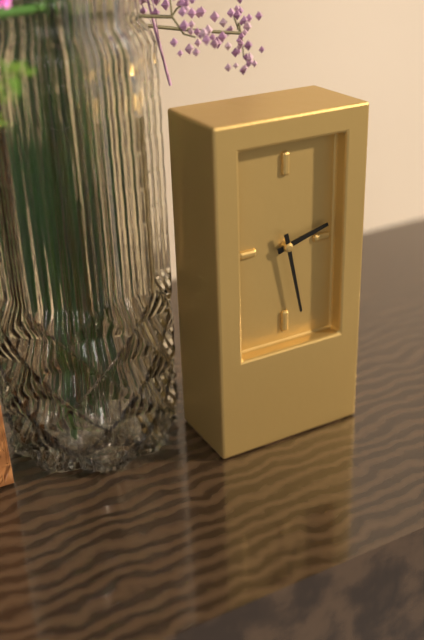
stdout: 2 h 28 min
